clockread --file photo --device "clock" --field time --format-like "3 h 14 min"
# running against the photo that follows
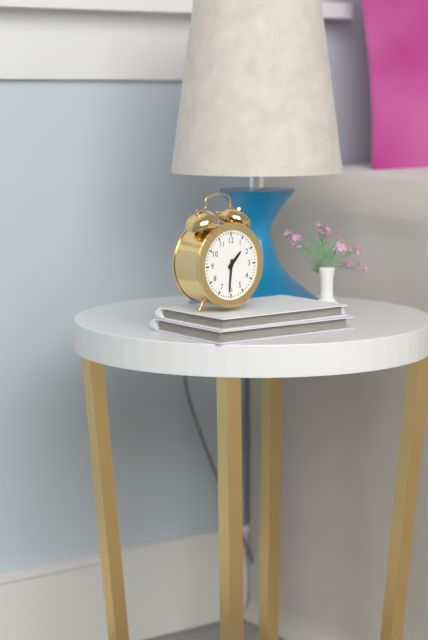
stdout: 1 h 31 min
